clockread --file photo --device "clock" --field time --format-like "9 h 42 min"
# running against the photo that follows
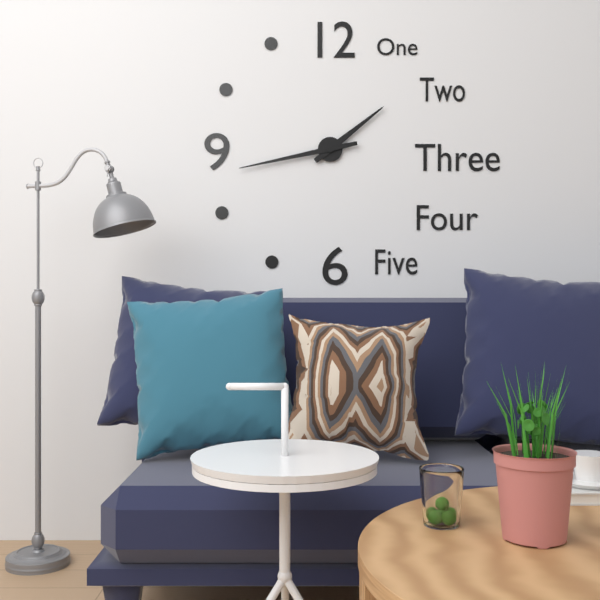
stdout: 1 h 43 min
